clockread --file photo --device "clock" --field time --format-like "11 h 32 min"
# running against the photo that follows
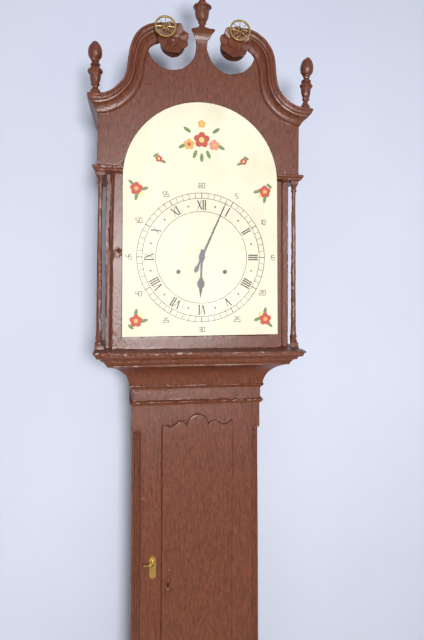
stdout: 6 h 04 min
